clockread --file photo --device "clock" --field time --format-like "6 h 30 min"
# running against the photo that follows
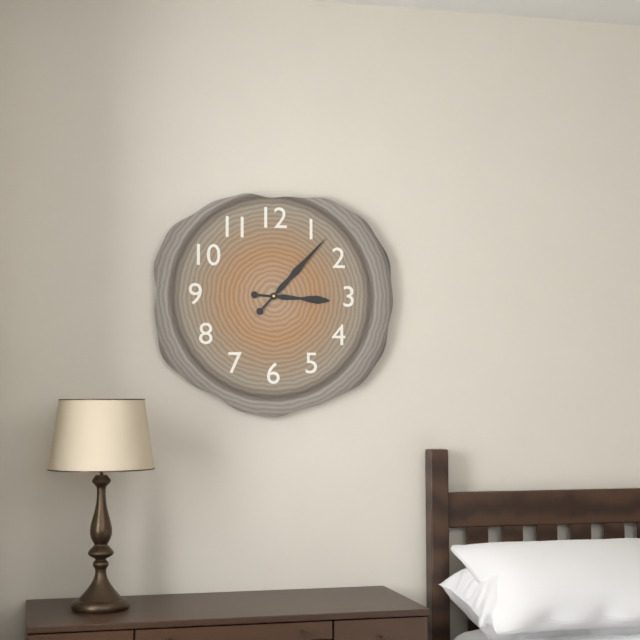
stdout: 3 h 07 min
